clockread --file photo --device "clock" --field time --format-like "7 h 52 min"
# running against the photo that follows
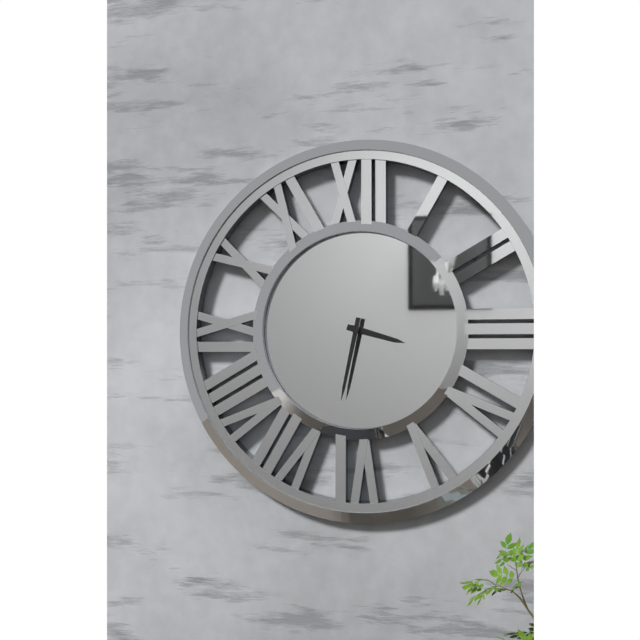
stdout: 3 h 32 min
